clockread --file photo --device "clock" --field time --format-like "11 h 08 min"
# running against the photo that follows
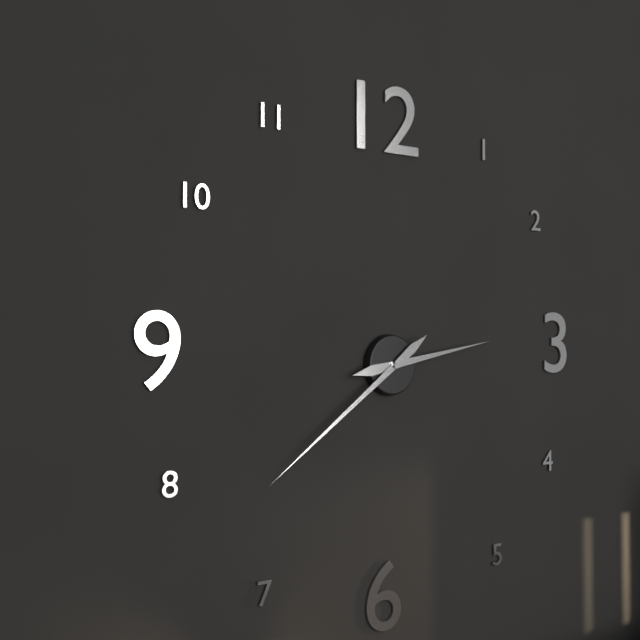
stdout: 2 h 39 min
